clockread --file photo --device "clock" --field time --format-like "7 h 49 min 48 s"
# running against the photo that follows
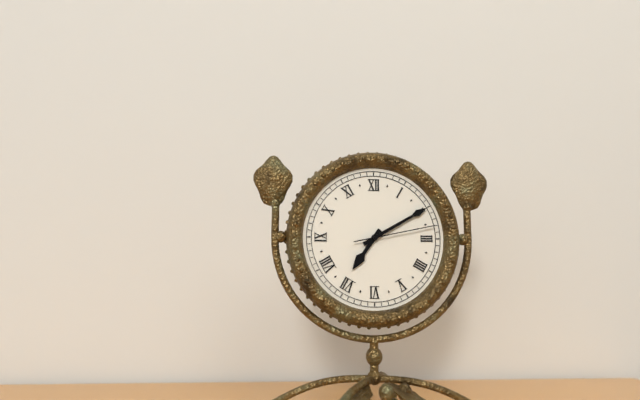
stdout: 7 h 10 min 13 s
